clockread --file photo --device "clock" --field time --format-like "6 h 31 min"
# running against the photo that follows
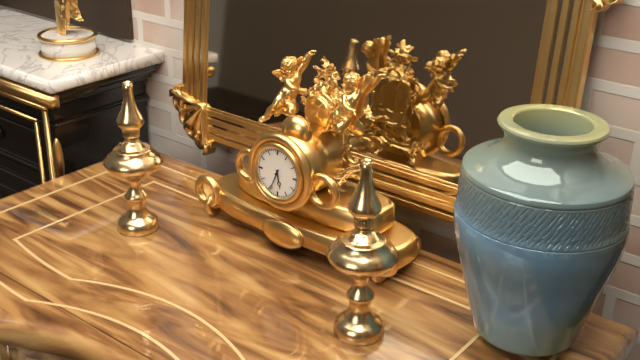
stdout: 5 h 34 min
